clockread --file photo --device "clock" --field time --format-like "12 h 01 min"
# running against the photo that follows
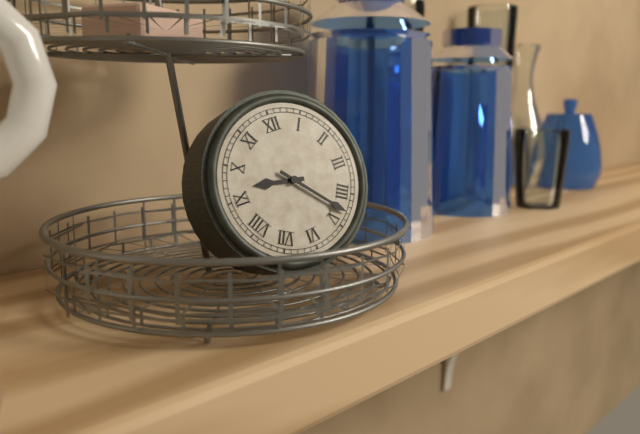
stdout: 9 h 23 min
